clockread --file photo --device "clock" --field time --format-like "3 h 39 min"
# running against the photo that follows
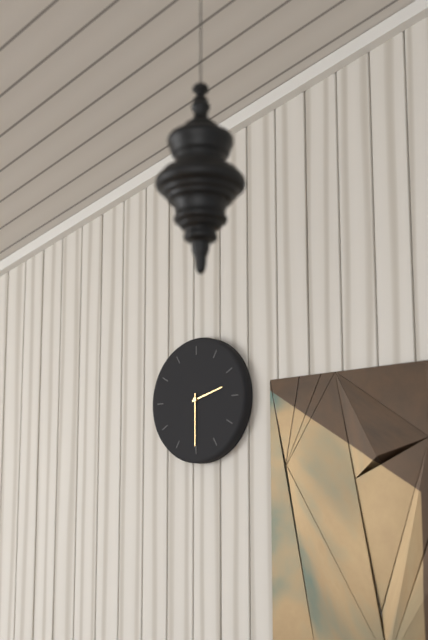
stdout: 2 h 30 min
